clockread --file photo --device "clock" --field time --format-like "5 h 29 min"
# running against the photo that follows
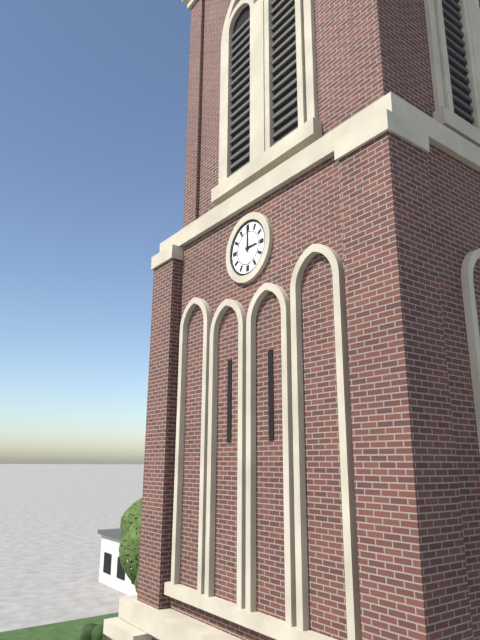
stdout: 3 h 00 min
